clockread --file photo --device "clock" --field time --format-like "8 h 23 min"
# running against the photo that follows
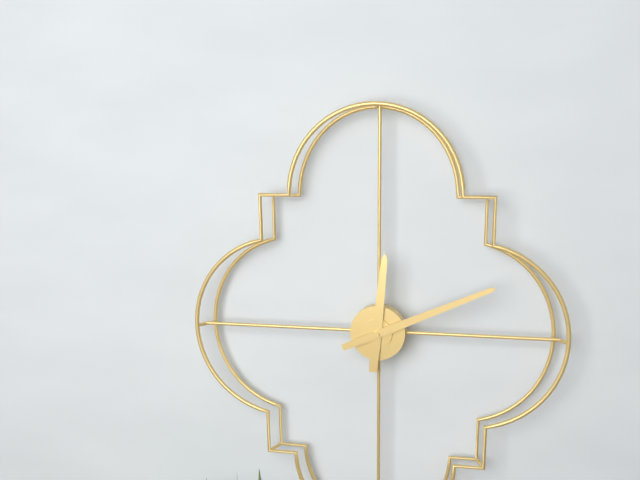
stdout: 12 h 11 min
